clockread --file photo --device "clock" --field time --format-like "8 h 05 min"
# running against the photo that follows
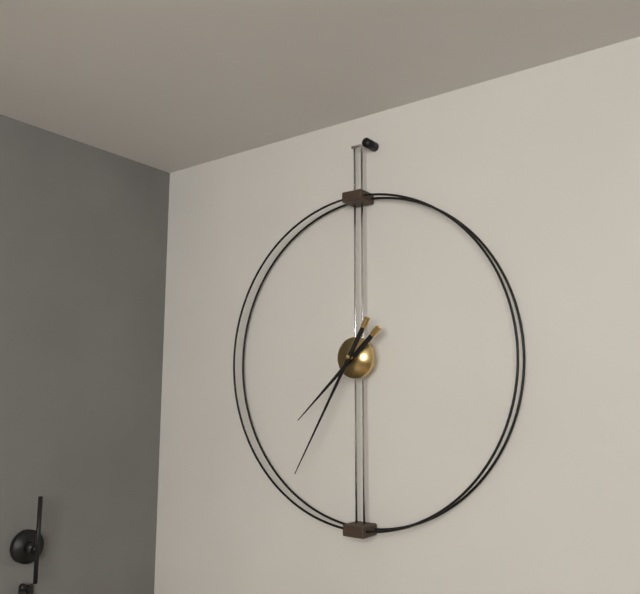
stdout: 7 h 35 min
